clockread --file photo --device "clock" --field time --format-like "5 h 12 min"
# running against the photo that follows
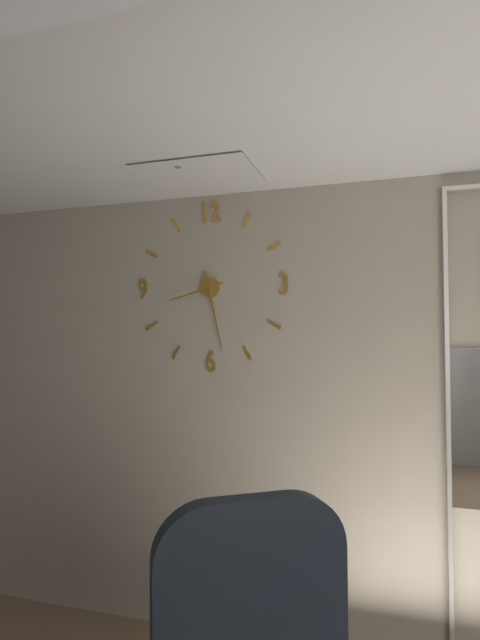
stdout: 8 h 28 min
